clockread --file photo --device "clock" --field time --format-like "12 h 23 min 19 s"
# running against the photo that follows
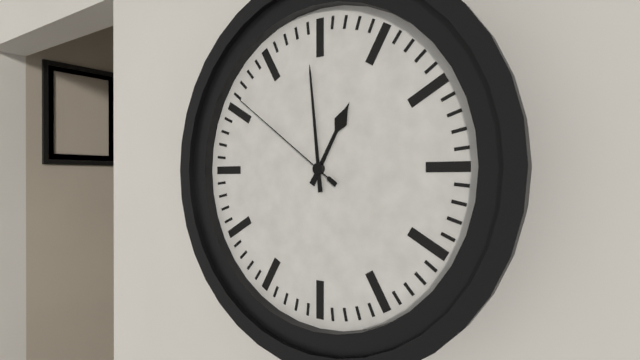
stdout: 12 h 59 min 51 s
